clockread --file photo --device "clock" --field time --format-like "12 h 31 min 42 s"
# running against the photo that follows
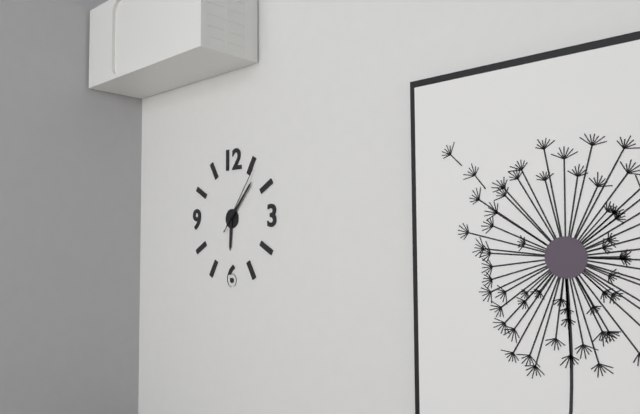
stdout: 6 h 07 min 06 s
